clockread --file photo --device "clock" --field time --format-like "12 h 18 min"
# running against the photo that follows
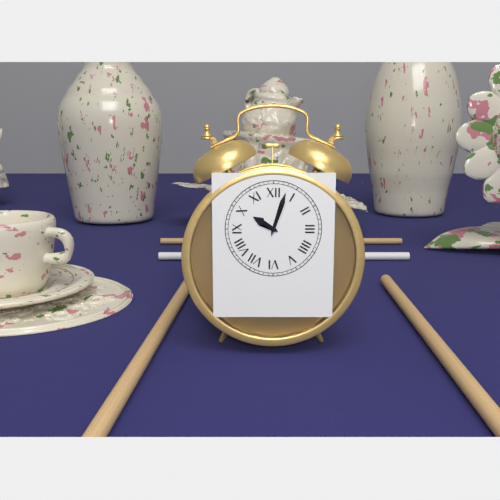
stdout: 10 h 03 min
